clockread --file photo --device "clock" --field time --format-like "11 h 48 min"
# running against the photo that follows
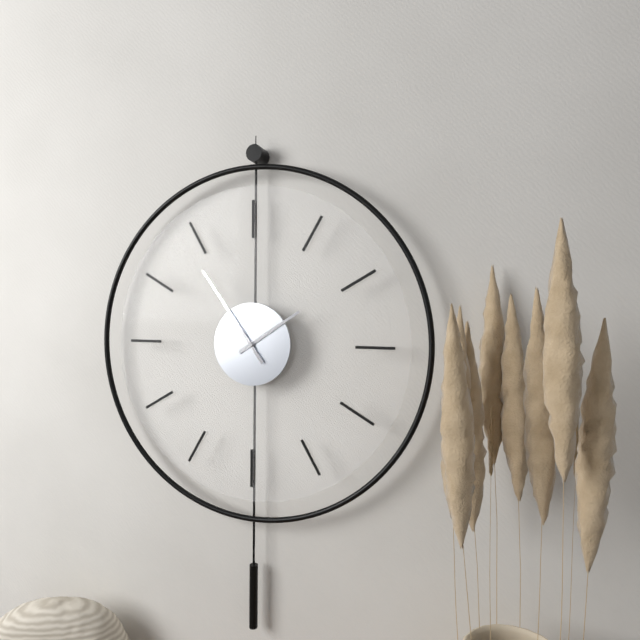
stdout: 1 h 54 min
